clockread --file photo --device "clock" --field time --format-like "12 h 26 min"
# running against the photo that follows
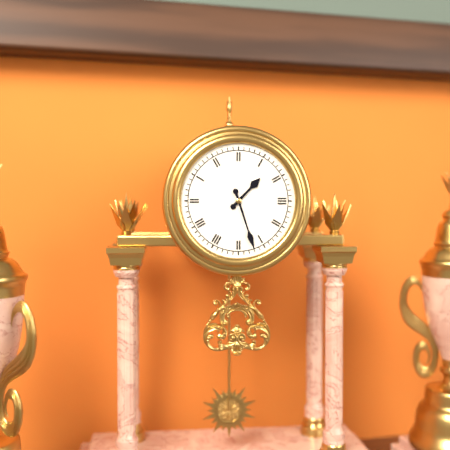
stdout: 1 h 27 min
